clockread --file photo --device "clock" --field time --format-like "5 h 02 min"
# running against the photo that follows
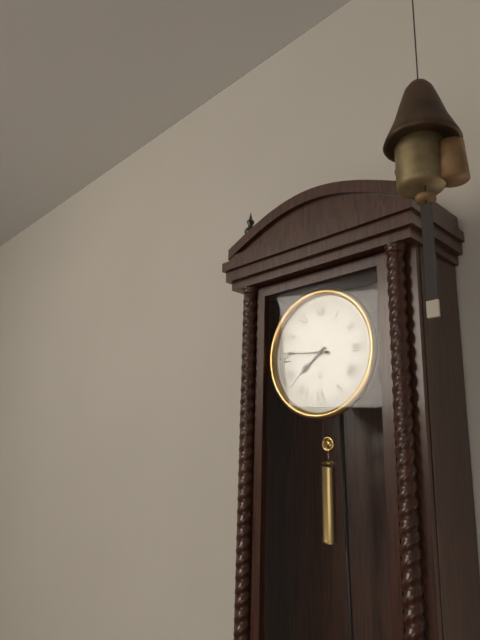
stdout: 7 h 46 min
